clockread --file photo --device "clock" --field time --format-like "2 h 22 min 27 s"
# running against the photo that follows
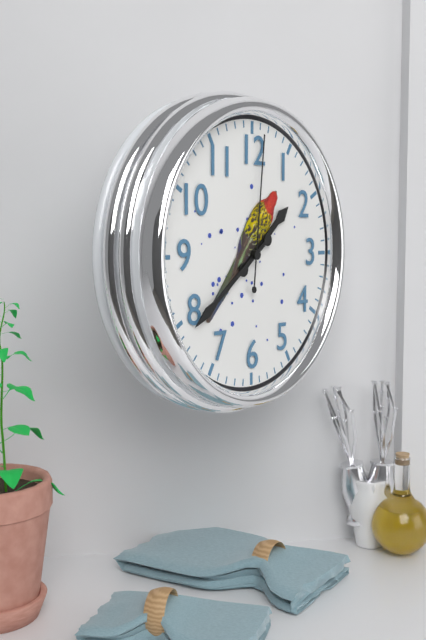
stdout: 1 h 39 min 01 s
